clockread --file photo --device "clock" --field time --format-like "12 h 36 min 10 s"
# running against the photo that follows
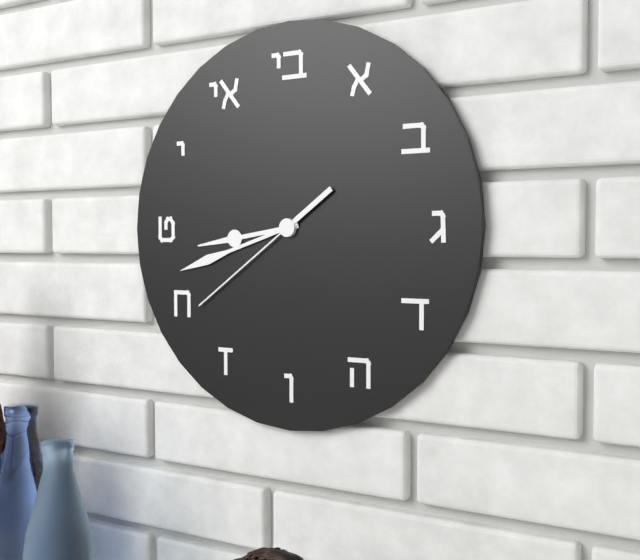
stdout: 8 h 42 min 39 s
